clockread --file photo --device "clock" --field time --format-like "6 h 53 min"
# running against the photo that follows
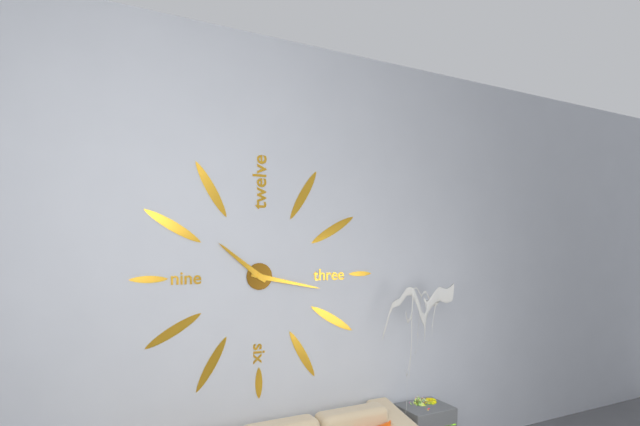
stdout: 10 h 17 min
